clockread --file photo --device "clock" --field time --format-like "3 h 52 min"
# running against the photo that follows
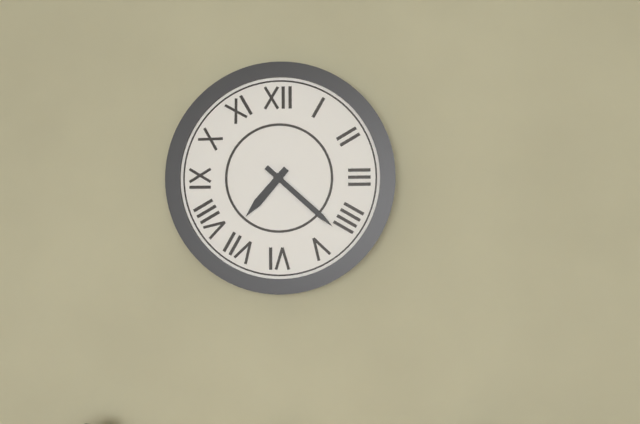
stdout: 7 h 22 min
